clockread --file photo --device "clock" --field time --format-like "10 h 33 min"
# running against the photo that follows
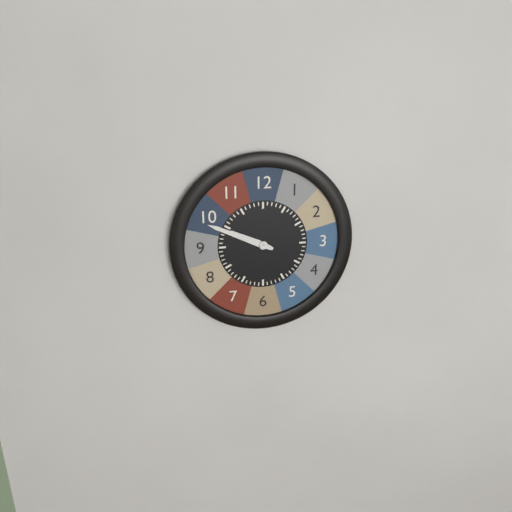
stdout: 9 h 49 min
